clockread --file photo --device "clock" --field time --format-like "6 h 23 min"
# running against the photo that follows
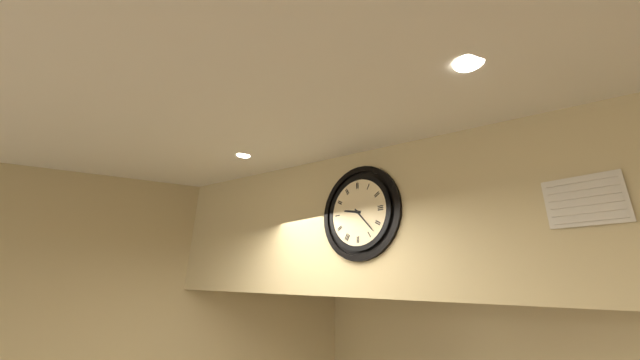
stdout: 9 h 23 min
